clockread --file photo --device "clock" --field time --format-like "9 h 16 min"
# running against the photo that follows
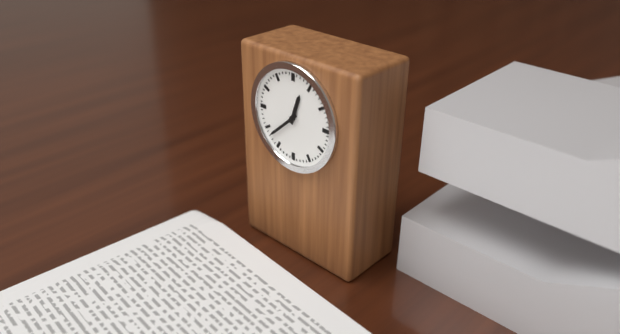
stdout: 12 h 38 min
